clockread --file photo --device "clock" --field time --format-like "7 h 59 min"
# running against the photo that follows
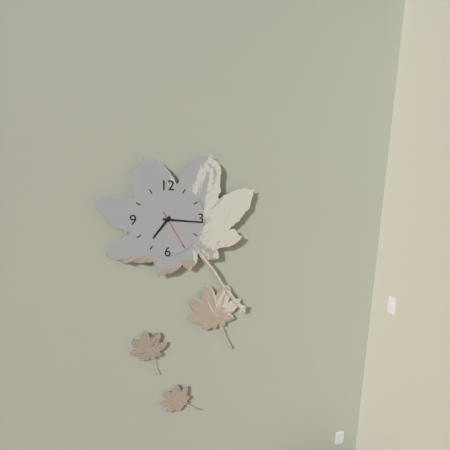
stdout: 7 h 16 min
